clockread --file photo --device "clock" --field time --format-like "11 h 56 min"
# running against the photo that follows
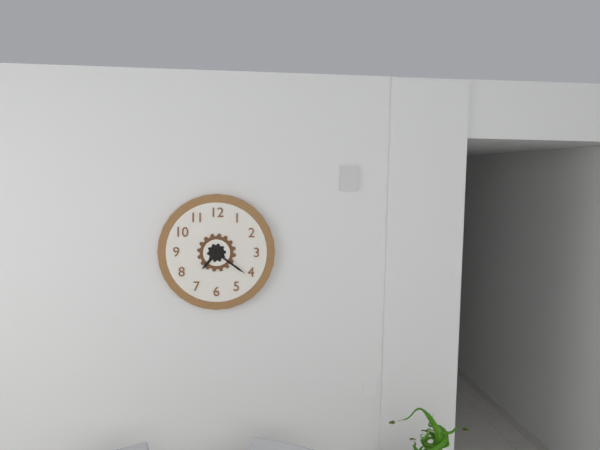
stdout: 7 h 21 min
